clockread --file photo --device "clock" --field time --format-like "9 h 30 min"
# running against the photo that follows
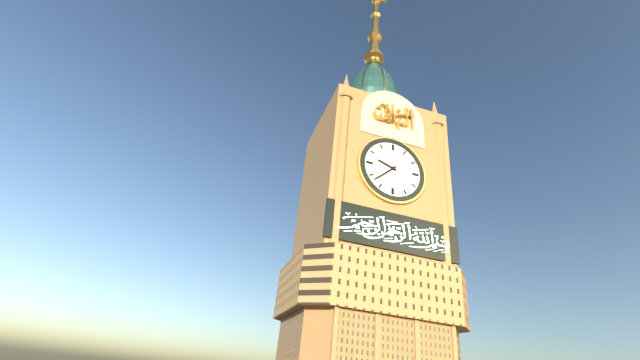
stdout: 9 h 38 min
